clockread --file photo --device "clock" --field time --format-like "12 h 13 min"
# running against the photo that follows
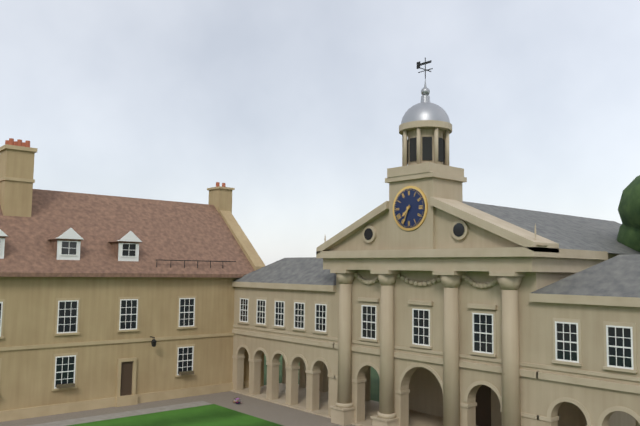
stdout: 7 h 34 min
